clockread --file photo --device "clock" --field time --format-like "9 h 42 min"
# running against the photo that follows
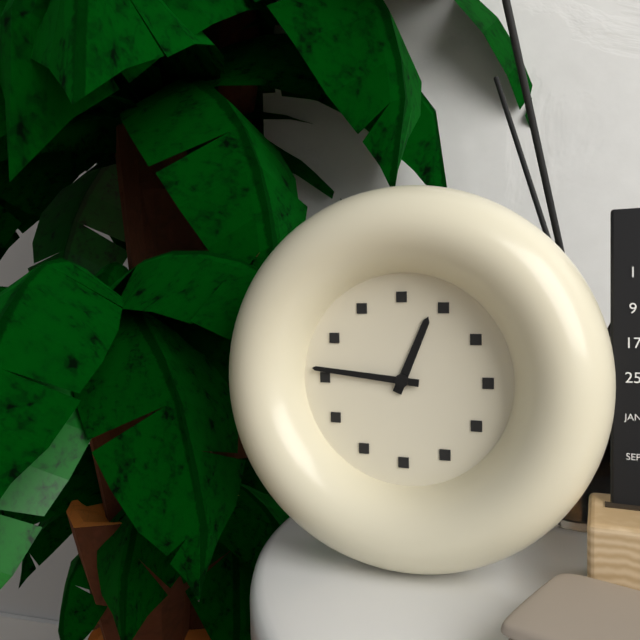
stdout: 12 h 46 min
